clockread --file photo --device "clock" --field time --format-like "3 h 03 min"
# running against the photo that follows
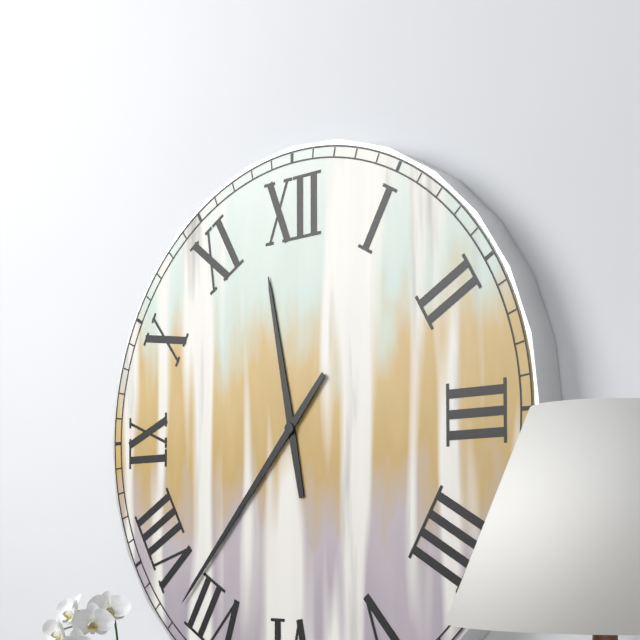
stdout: 11 h 37 min
